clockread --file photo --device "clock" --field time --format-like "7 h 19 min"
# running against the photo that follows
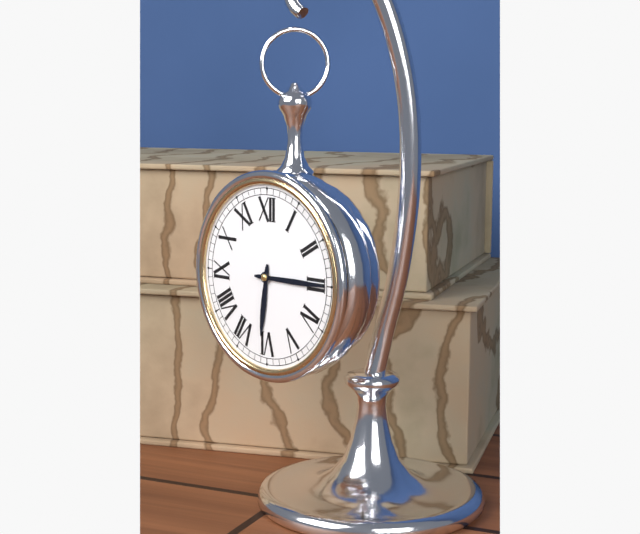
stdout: 6 h 15 min
